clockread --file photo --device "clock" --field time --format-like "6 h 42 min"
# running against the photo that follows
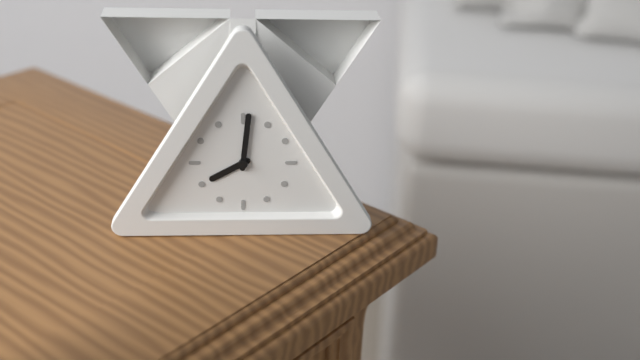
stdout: 8 h 01 min
